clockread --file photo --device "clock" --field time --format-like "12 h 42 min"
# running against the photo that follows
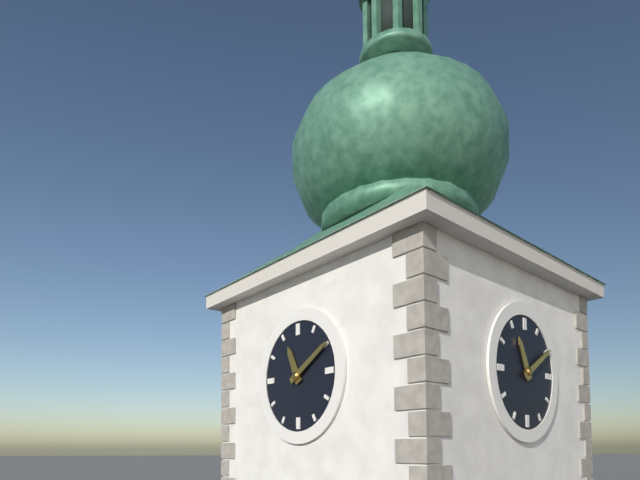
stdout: 11 h 10 min
